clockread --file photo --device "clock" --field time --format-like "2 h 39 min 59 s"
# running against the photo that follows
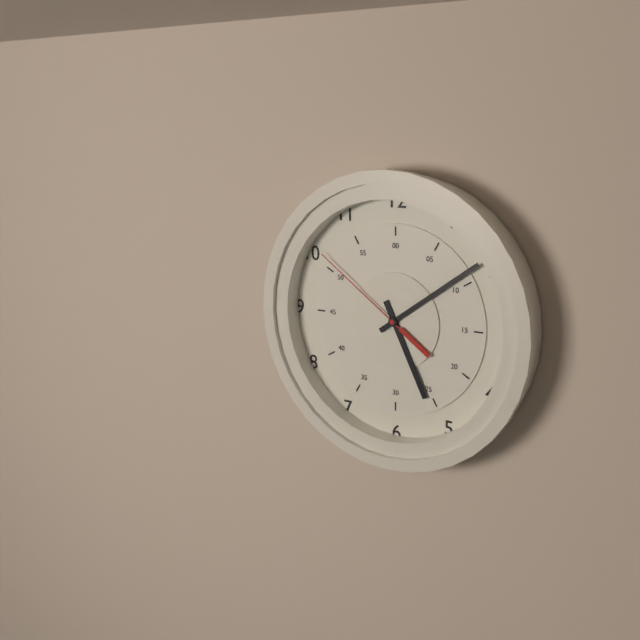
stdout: 5 h 09 min 51 s
